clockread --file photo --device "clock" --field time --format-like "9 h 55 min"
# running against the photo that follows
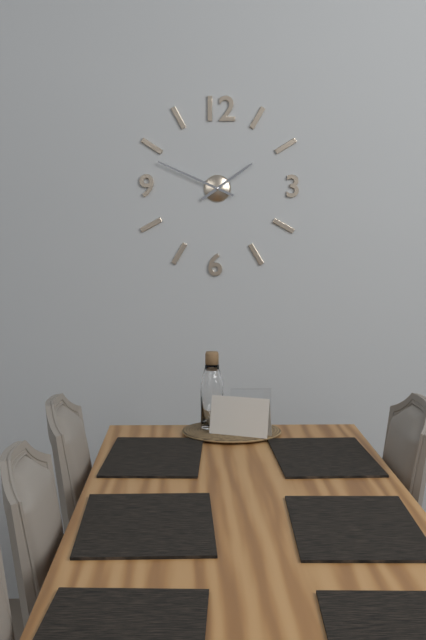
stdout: 1 h 49 min
